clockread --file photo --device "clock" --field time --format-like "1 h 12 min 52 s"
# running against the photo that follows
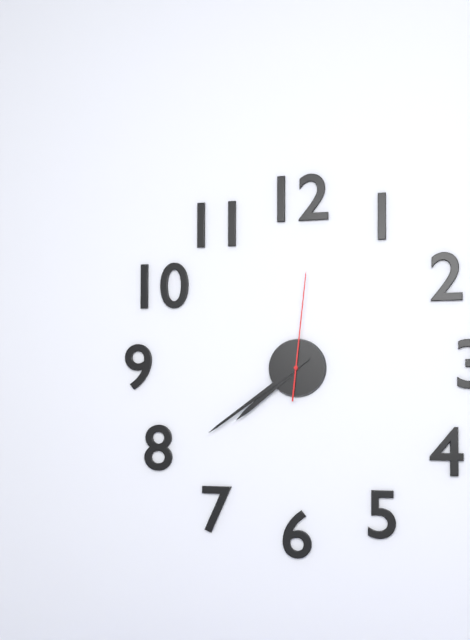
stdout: 7 h 39 min 01 s
